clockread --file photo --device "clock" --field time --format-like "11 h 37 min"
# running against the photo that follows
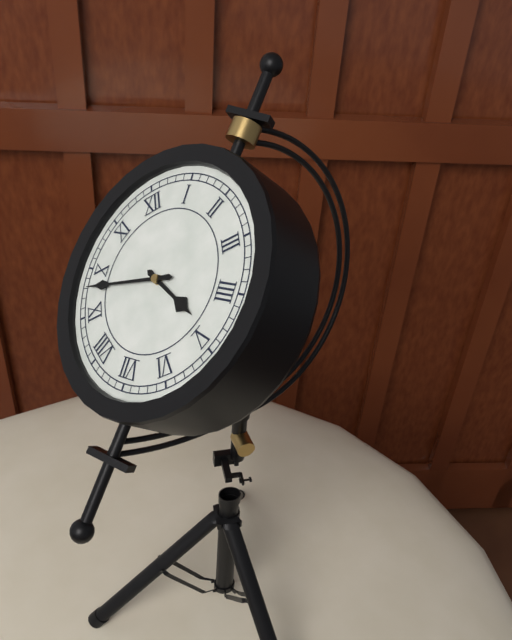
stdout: 4 h 48 min
